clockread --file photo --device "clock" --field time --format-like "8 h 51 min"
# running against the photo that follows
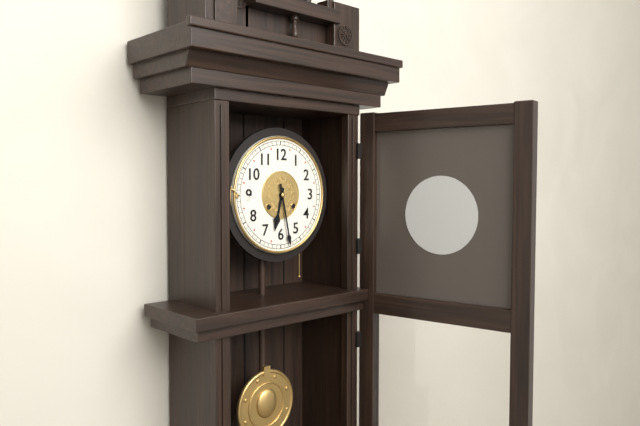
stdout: 6 h 28 min
